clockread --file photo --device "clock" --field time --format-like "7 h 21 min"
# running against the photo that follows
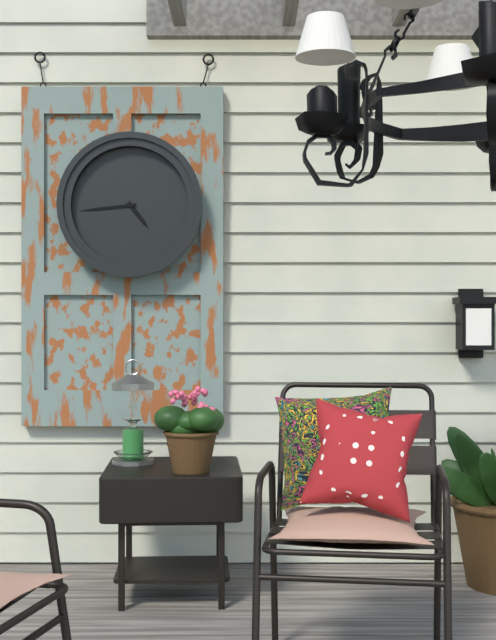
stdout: 4 h 44 min
